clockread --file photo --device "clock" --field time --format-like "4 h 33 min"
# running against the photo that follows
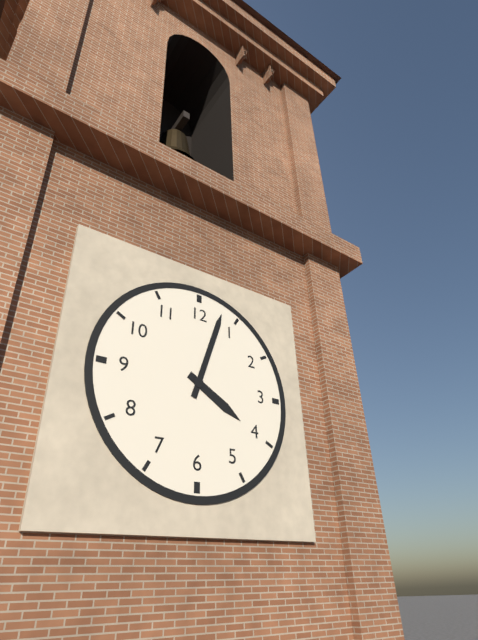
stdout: 4 h 03 min
